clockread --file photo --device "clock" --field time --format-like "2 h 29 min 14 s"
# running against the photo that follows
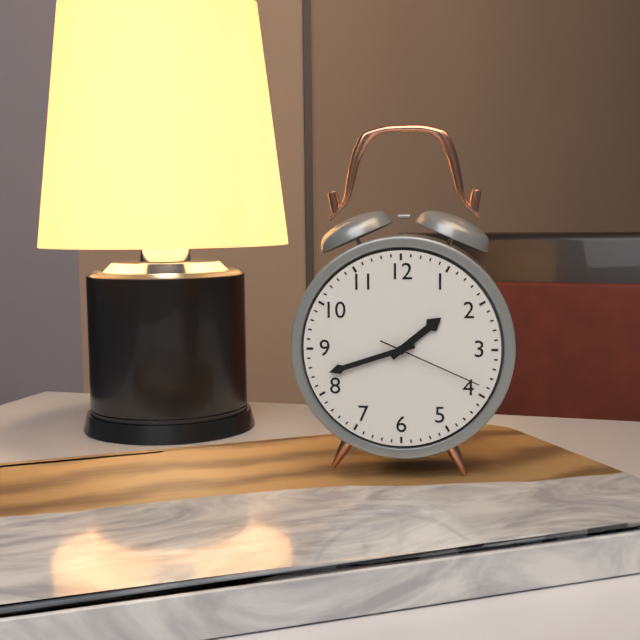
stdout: 1 h 42 min 19 s
